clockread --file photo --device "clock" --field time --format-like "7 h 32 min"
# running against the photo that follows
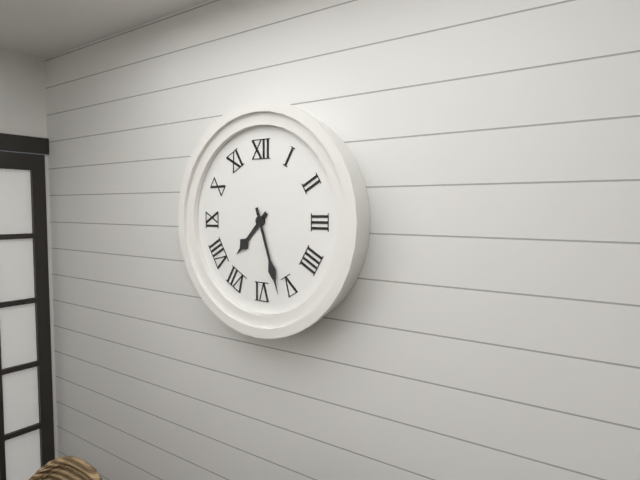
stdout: 7 h 27 min
